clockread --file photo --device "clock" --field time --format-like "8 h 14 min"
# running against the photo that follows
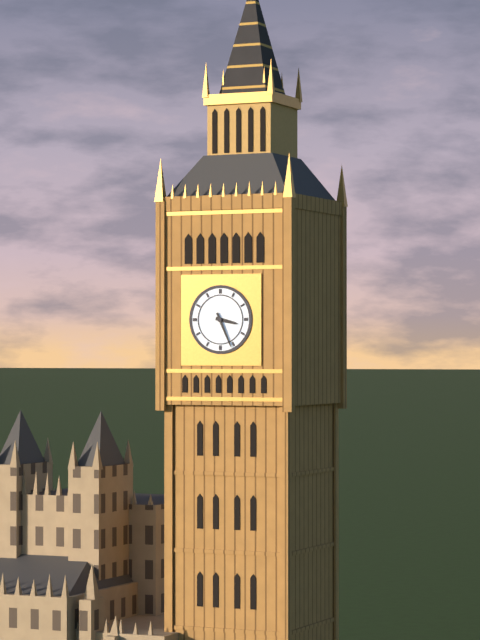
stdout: 3 h 26 min
